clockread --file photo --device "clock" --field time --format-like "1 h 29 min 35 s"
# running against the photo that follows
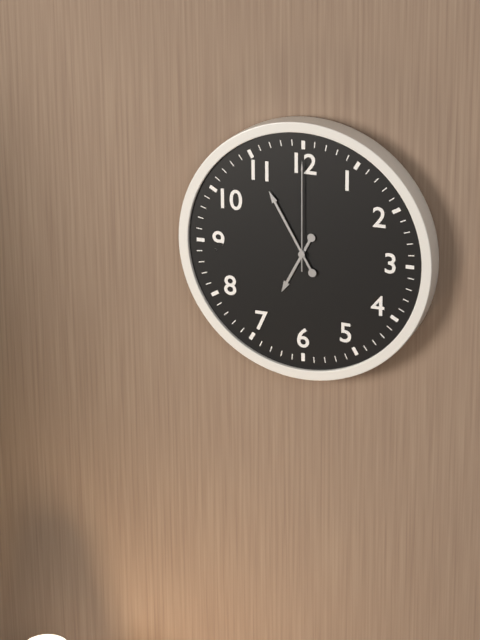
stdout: 6 h 55 min 00 s
